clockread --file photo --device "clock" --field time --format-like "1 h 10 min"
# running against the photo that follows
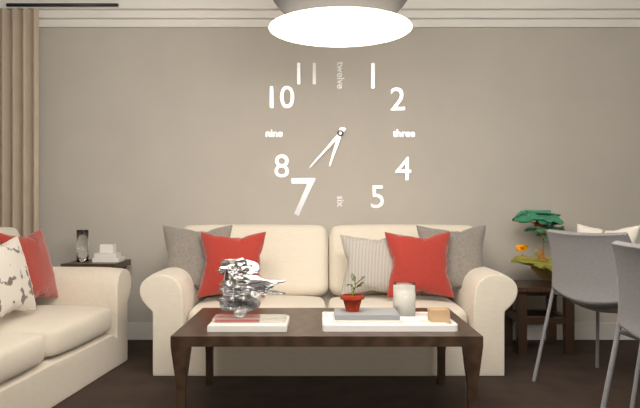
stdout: 6 h 37 min
